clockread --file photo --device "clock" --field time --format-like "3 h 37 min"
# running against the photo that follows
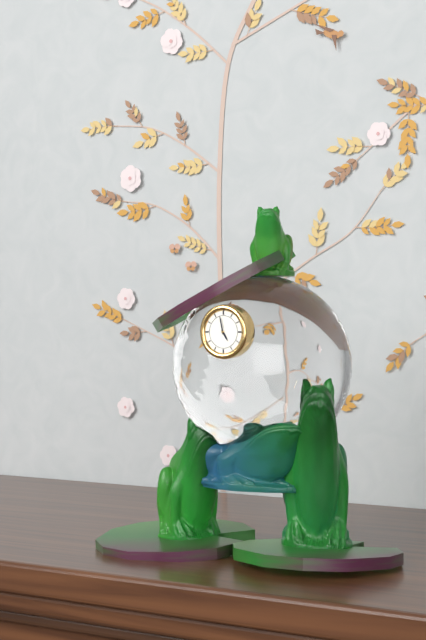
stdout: 4 h 58 min
